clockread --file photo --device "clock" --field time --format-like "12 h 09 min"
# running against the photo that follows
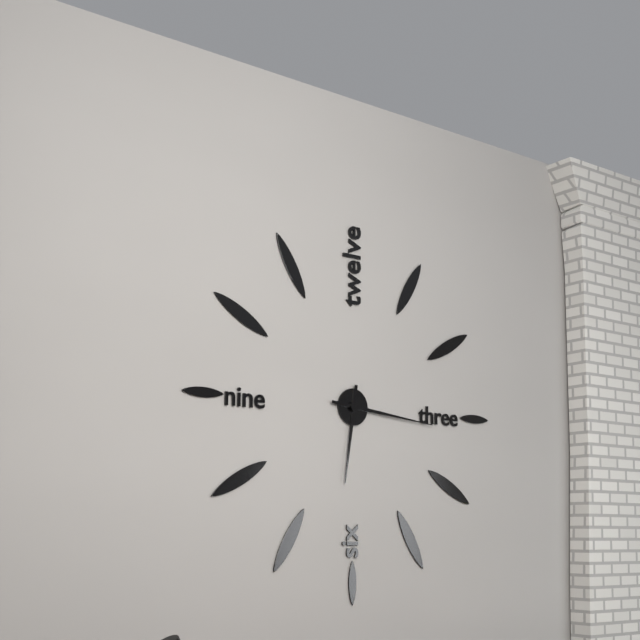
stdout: 6 h 16 min
